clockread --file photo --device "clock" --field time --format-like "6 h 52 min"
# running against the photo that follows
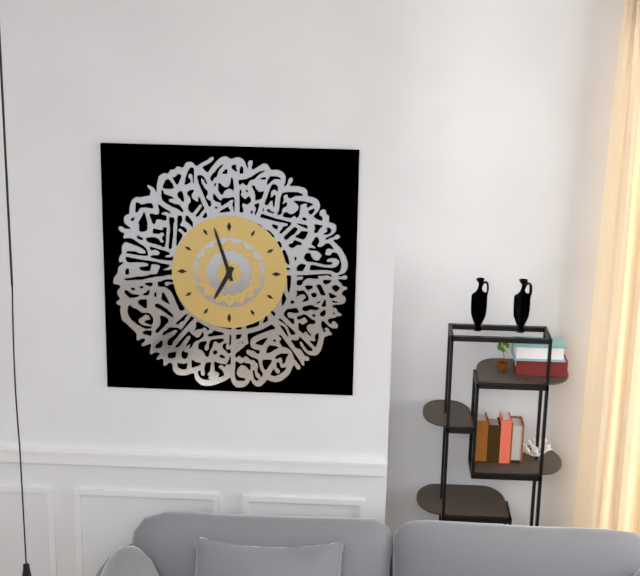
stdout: 6 h 57 min
